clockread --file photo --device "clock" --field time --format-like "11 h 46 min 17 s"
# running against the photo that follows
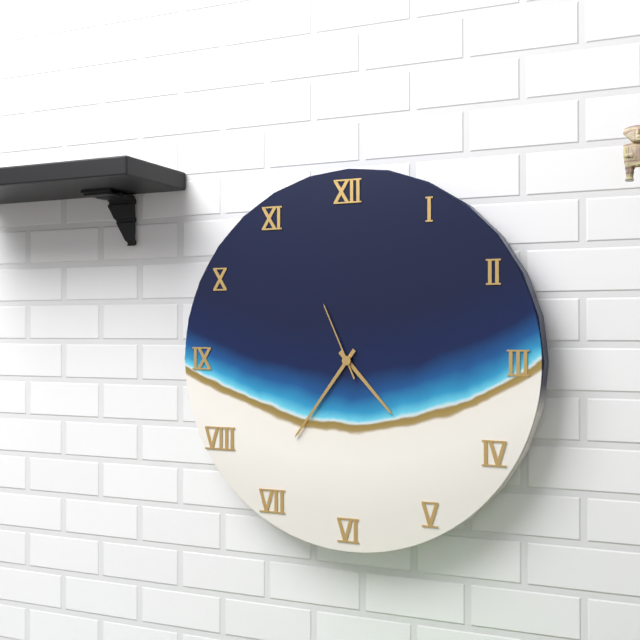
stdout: 4 h 36 min 56 s
